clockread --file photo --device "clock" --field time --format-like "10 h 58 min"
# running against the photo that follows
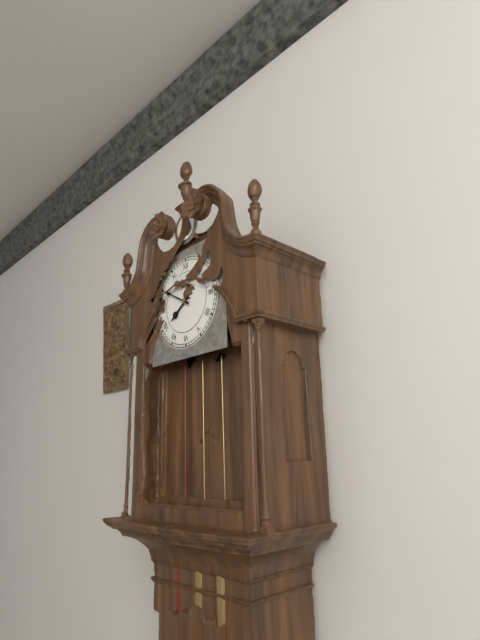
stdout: 7 h 50 min
